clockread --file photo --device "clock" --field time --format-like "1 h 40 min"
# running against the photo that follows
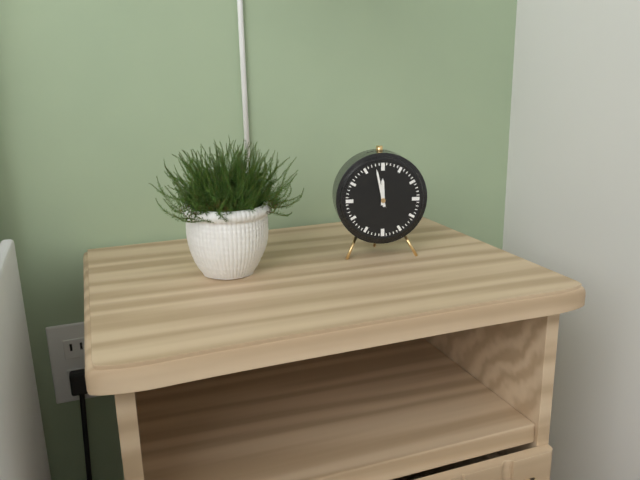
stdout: 11 h 58 min
